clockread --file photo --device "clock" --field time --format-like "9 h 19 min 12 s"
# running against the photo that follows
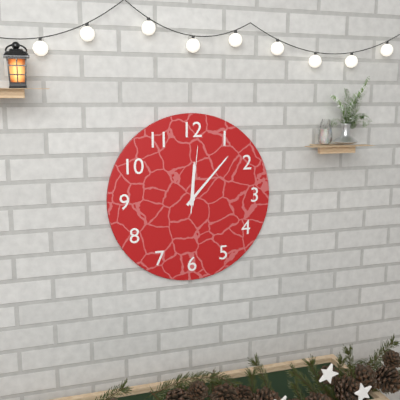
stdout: 12 h 07 min 01 s
